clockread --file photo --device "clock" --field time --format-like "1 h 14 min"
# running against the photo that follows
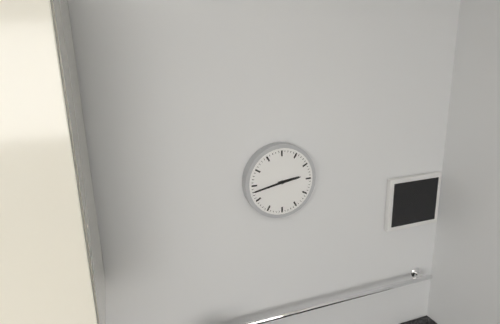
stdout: 2 h 43 min
